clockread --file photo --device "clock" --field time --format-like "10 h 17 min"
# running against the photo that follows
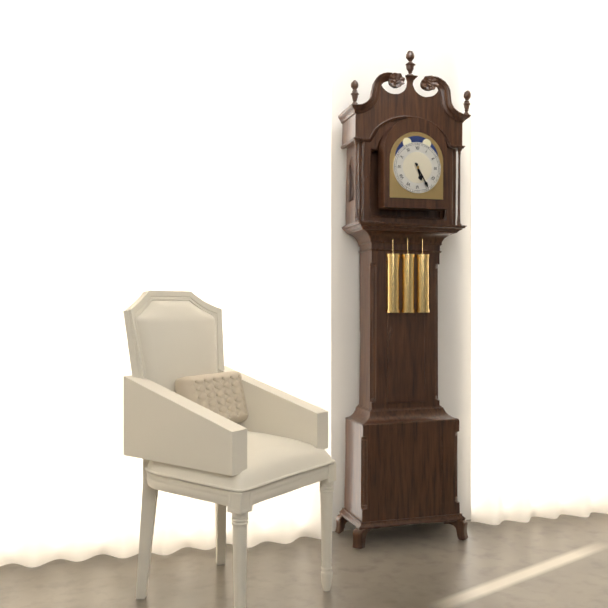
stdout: 5 h 25 min
